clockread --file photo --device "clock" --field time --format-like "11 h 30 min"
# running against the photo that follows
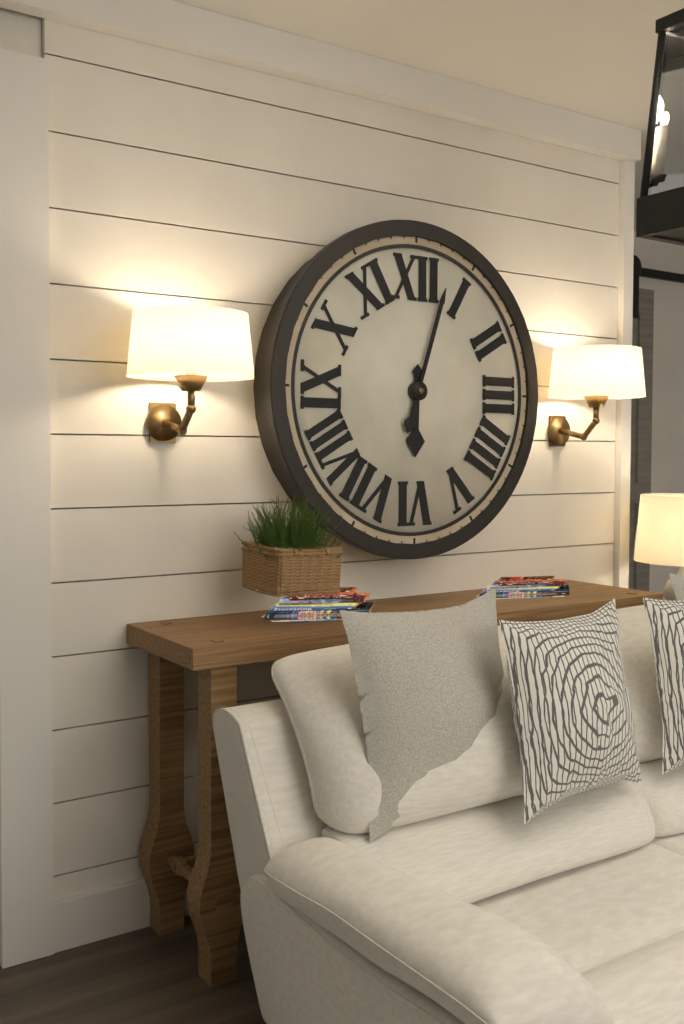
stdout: 6 h 03 min
